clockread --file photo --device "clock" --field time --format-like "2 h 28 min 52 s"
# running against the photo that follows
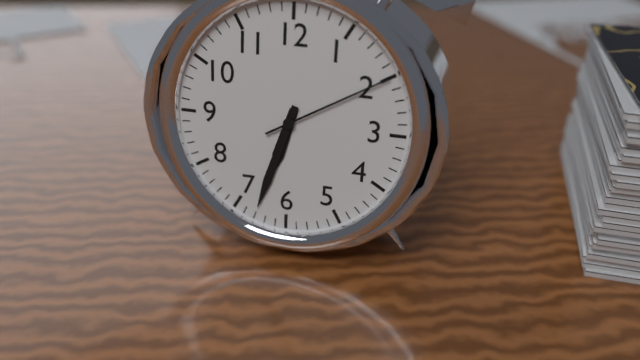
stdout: 6 h 33 min 10 s
